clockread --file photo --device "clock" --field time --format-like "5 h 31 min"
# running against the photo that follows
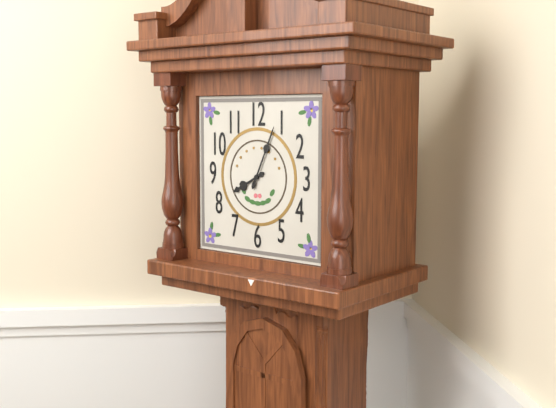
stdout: 8 h 04 min
